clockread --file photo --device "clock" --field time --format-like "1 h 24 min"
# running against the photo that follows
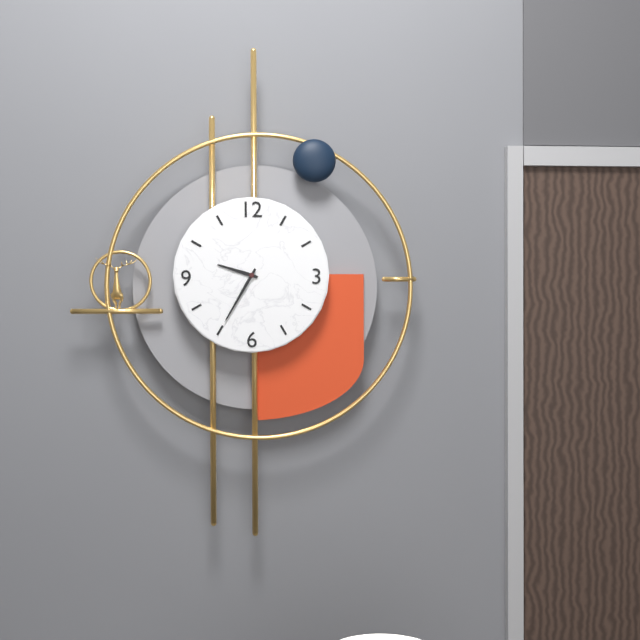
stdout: 9 h 35 min
